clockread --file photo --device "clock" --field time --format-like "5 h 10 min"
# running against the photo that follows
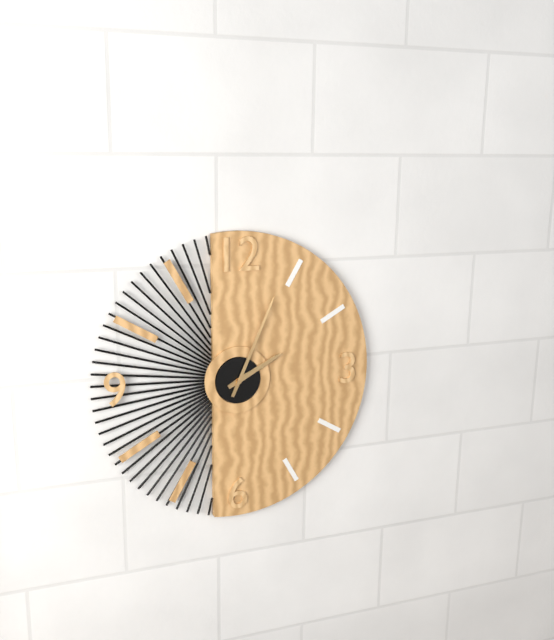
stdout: 2 h 04 min
